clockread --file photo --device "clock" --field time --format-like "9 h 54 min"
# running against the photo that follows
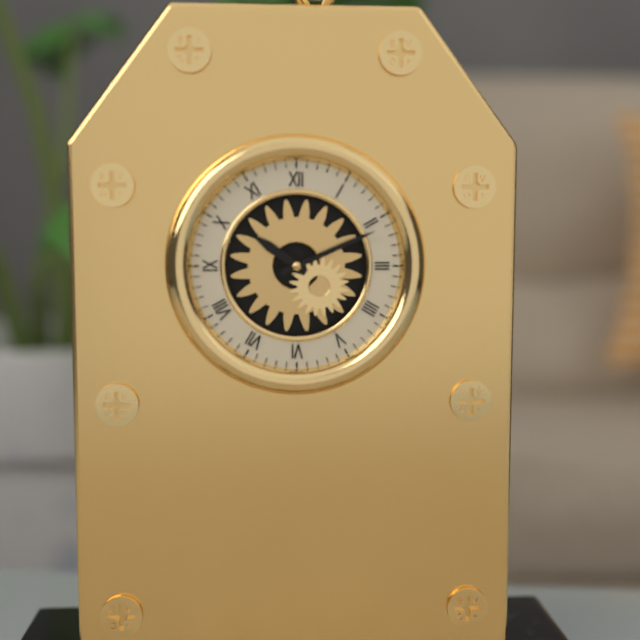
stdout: 10 h 11 min
